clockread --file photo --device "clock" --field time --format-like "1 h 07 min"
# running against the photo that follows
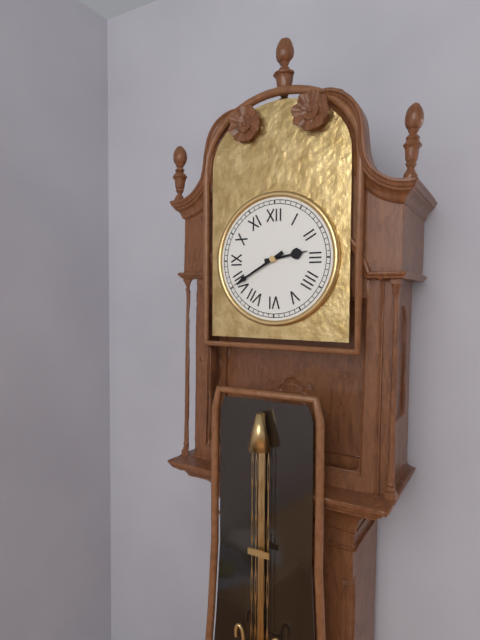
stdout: 2 h 40 min
